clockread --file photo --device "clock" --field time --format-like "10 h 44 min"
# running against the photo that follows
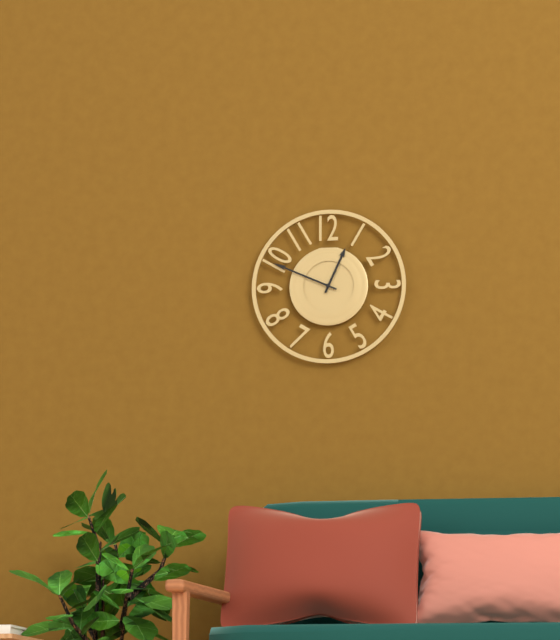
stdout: 12 h 49 min
